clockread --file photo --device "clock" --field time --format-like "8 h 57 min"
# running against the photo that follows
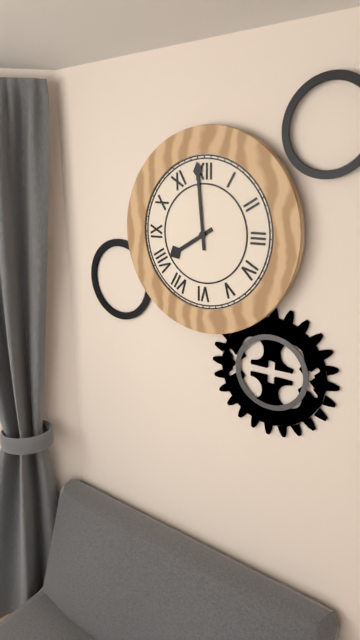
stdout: 7 h 59 min
